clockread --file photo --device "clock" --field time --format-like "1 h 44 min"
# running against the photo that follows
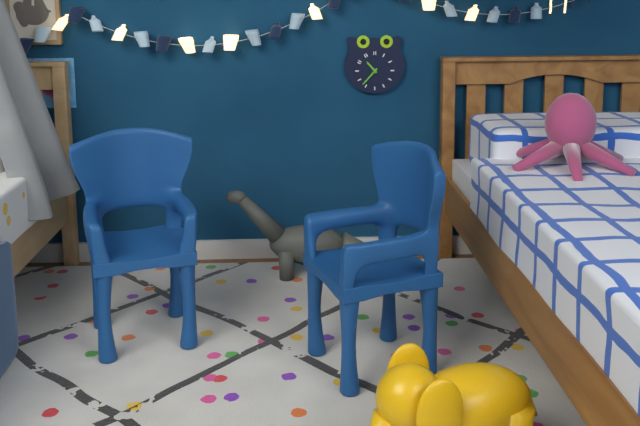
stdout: 10 h 37 min
